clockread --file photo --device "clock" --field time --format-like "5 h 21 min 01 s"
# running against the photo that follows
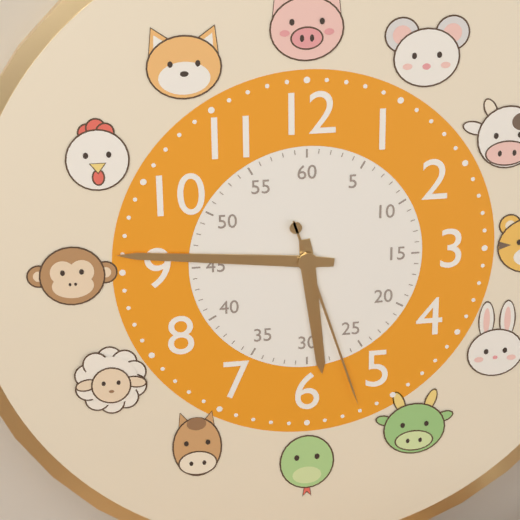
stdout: 5 h 46 min 27 s
